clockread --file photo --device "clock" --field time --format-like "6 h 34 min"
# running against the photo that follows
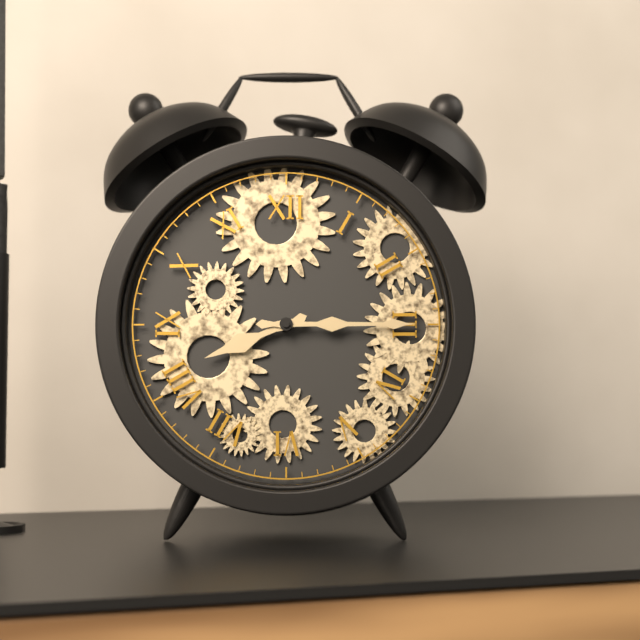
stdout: 8 h 15 min
